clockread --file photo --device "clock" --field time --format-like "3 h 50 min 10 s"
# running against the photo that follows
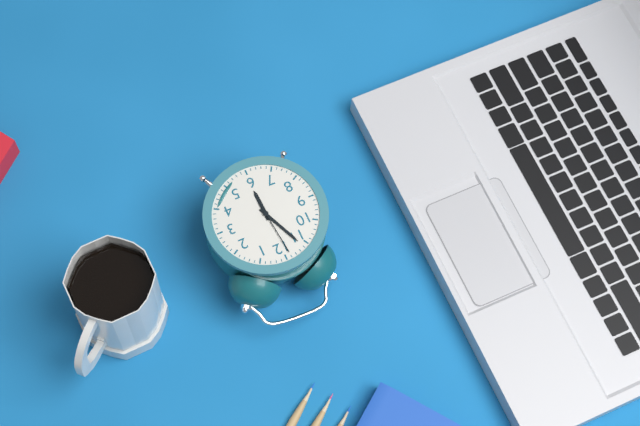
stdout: 5 h 56 min 59 s
